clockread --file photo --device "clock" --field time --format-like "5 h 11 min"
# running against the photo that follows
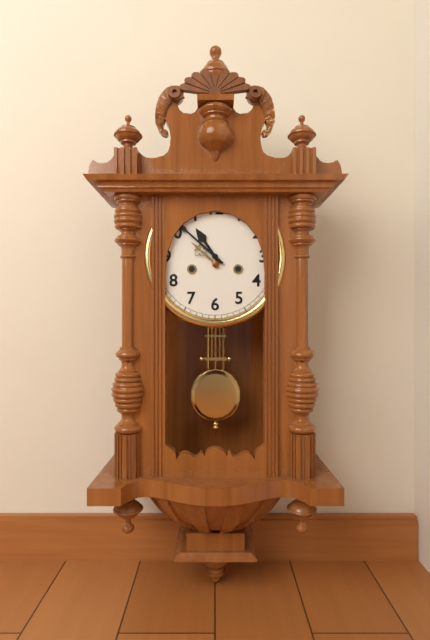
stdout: 10 h 52 min
